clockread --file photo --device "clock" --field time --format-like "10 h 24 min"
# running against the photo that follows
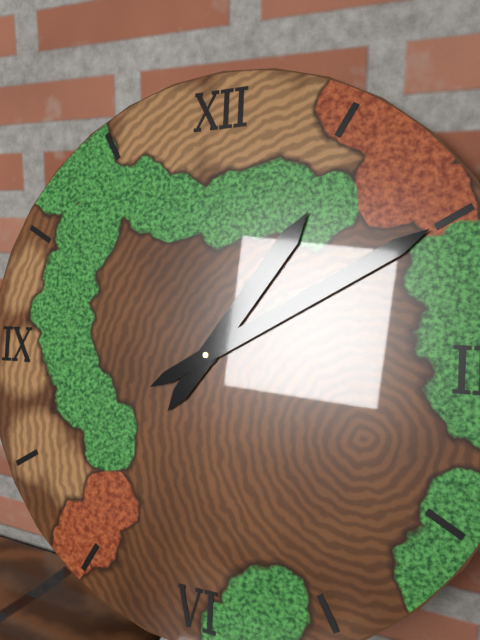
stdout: 1 h 10 min
